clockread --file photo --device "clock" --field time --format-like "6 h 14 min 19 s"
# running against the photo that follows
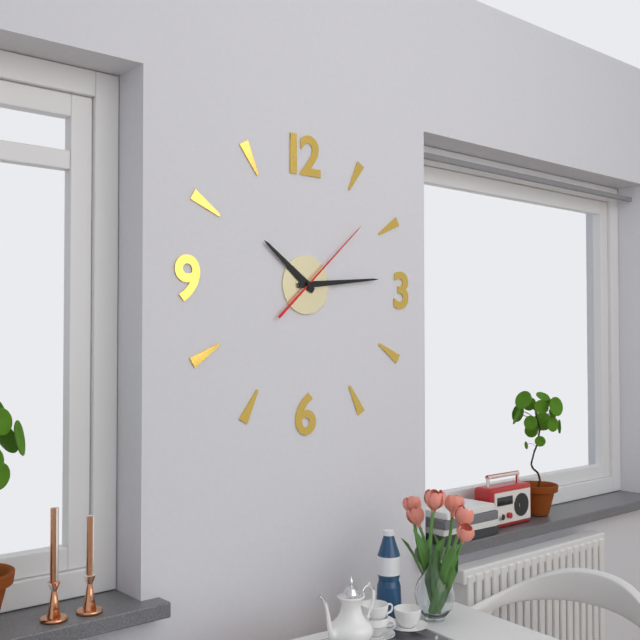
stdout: 10 h 14 min 08 s
